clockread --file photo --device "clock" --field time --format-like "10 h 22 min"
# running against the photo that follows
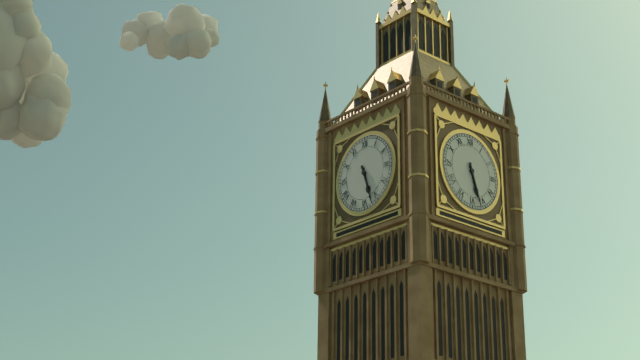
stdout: 5 h 27 min
